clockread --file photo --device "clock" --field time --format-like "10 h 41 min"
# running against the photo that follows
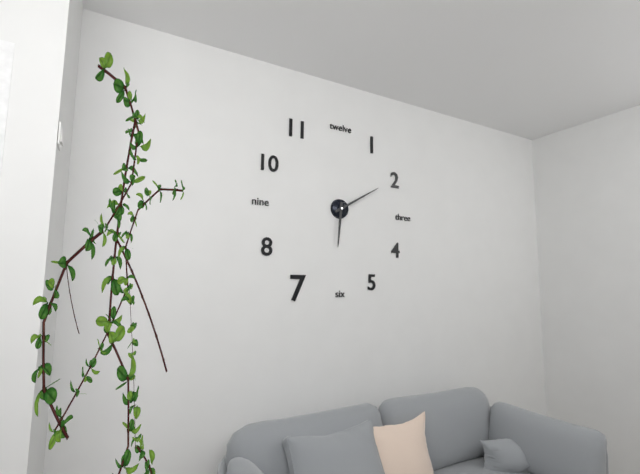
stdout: 6 h 10 min
